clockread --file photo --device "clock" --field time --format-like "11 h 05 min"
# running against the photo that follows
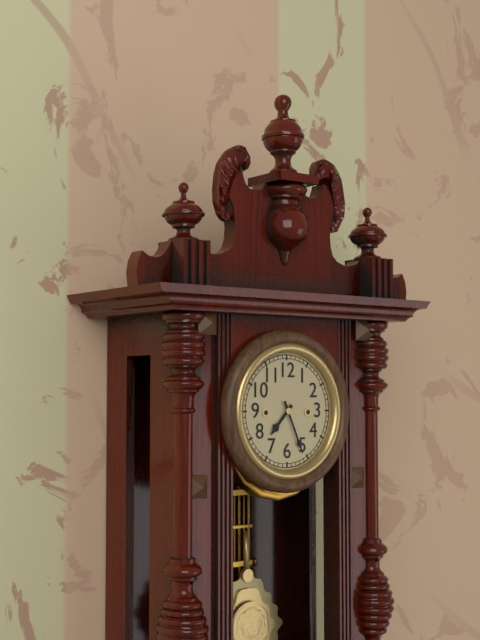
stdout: 7 h 26 min
